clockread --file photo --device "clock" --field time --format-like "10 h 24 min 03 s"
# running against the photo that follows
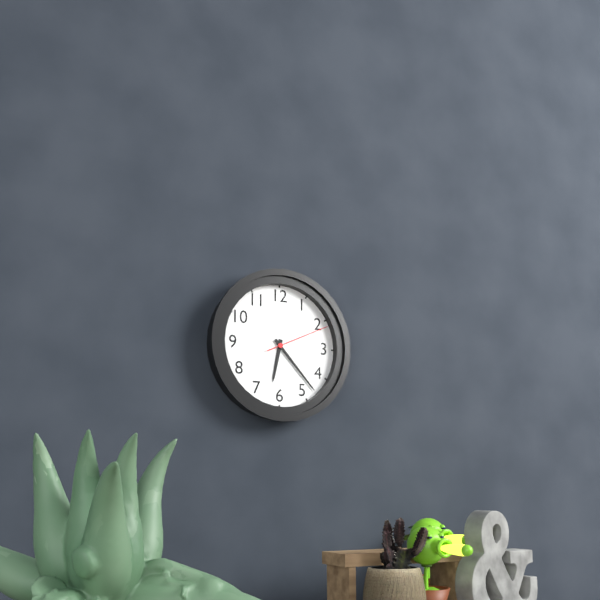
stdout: 6 h 23 min 11 s
